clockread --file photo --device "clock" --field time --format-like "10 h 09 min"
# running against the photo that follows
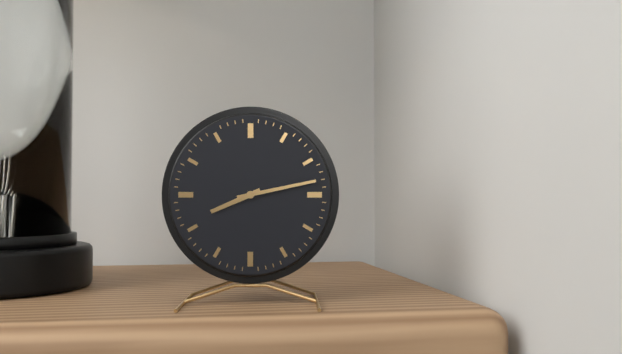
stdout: 8 h 13 min
